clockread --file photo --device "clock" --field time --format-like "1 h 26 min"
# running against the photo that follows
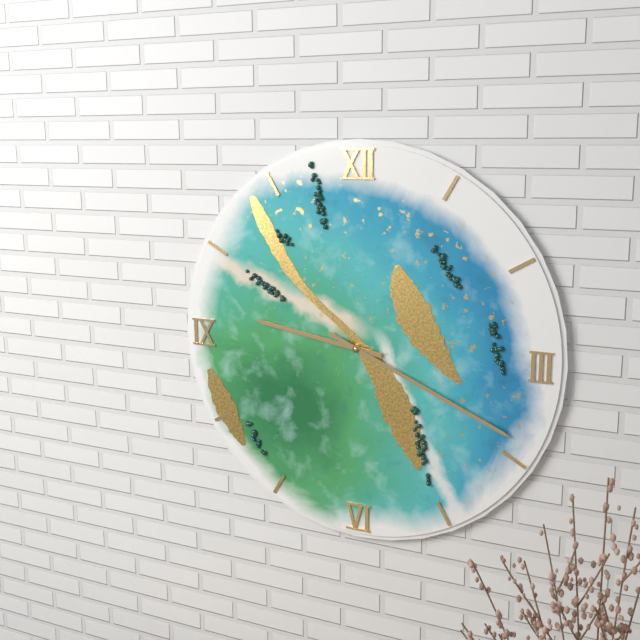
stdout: 9 h 19 min
